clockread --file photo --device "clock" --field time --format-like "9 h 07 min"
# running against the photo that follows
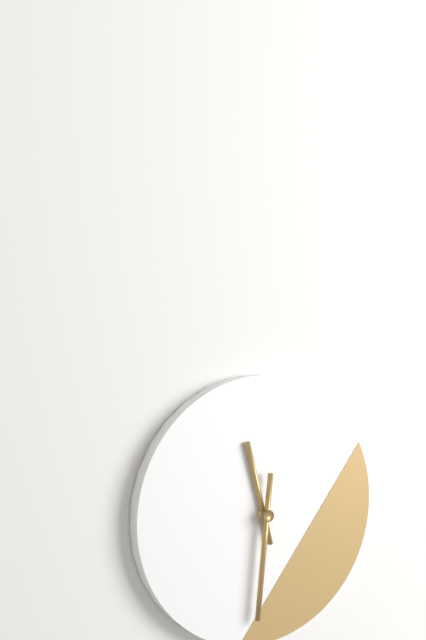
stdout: 11 h 31 min
